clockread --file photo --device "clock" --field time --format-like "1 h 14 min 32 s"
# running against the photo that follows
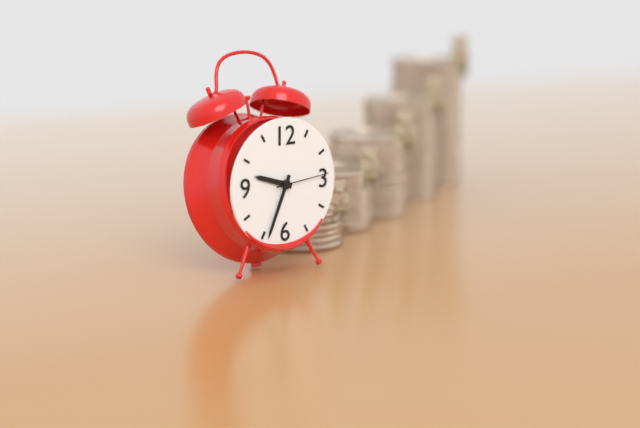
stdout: 9 h 34 min 14 s
